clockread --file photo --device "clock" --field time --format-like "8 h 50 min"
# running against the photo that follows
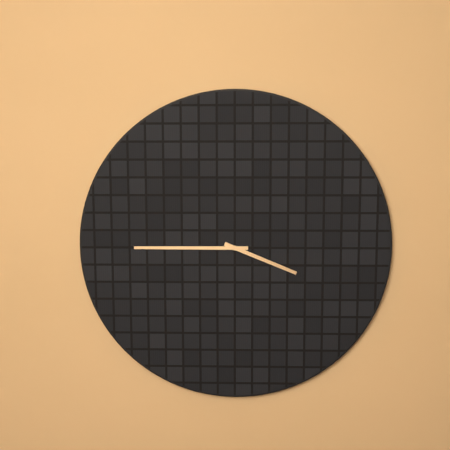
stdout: 3 h 45 min
